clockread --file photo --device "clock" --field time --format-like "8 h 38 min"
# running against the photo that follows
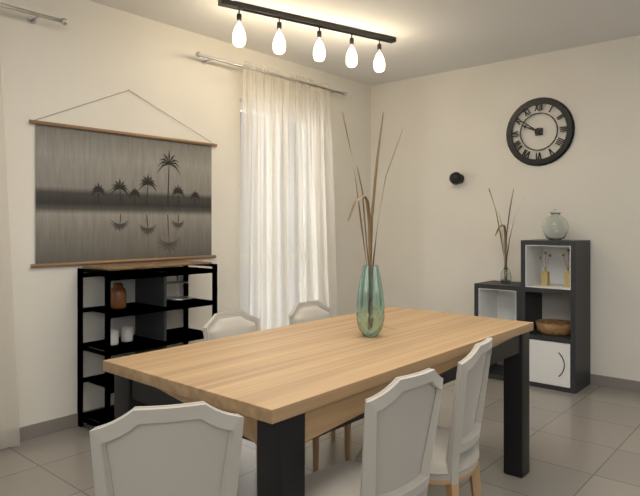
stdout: 9 h 51 min
